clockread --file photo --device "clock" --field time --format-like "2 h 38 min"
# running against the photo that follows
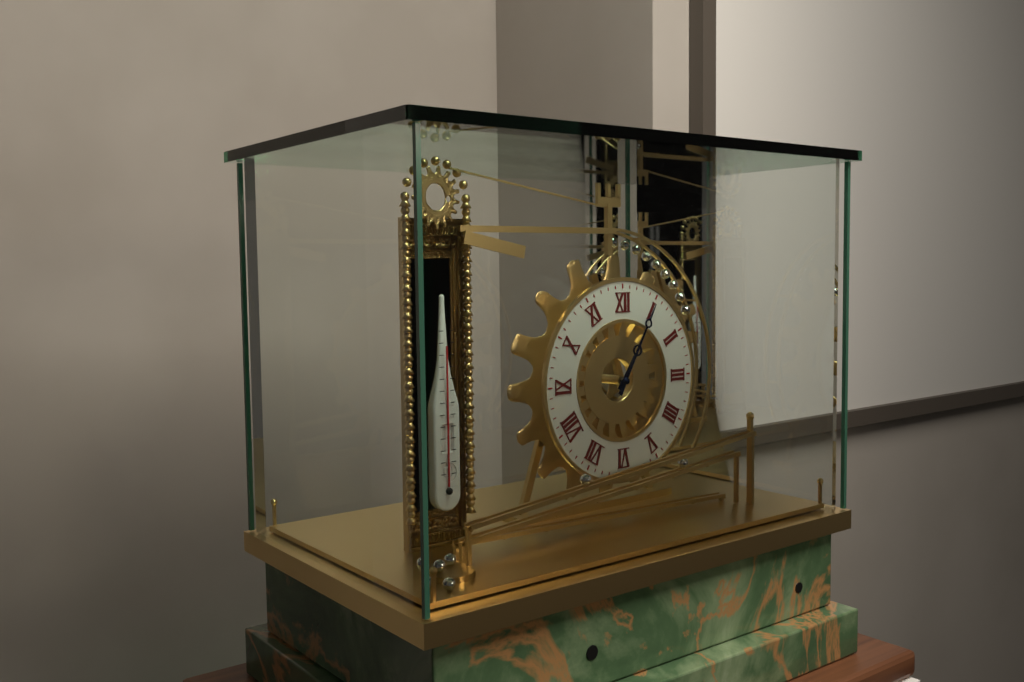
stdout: 1 h 05 min
